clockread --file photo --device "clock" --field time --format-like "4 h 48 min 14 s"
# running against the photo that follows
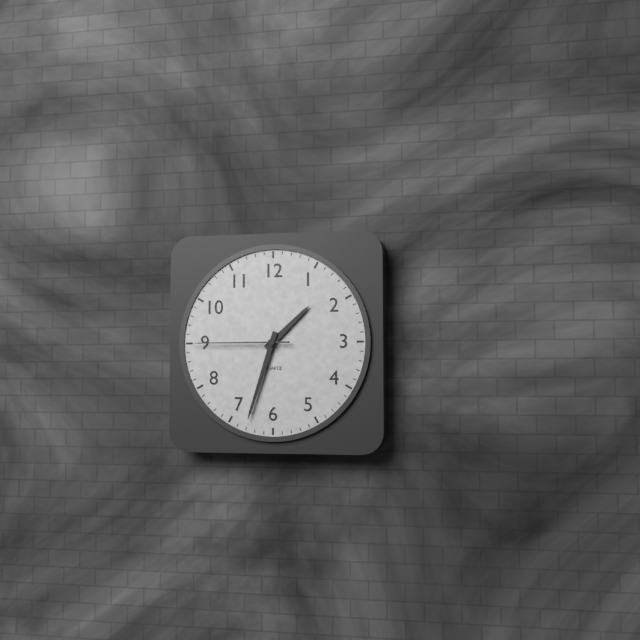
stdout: 1 h 33 min 45 s
